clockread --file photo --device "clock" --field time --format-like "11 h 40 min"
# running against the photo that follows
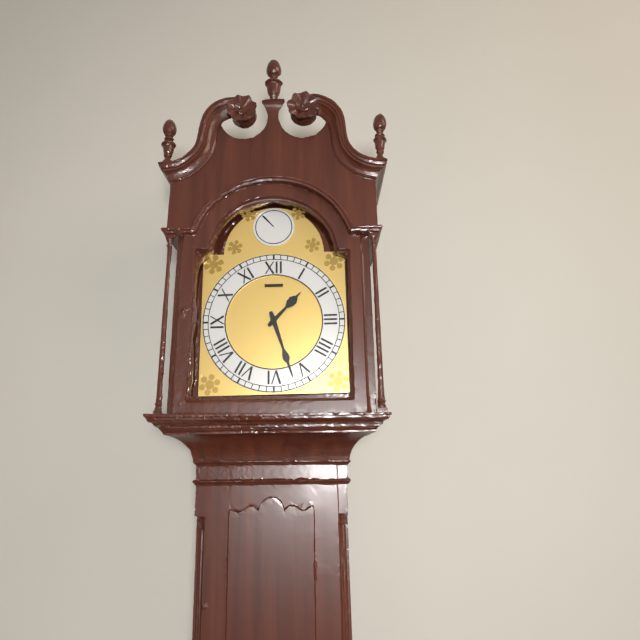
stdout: 1 h 27 min
